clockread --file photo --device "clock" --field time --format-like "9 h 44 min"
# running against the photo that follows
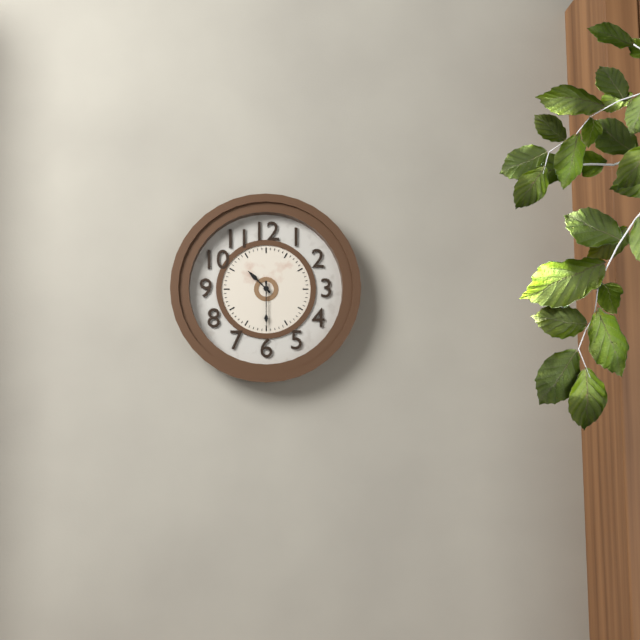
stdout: 10 h 30 min
